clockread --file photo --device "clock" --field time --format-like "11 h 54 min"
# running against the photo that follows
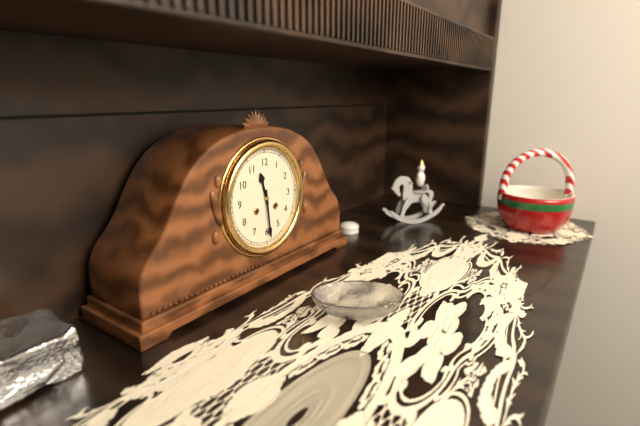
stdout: 11 h 29 min
